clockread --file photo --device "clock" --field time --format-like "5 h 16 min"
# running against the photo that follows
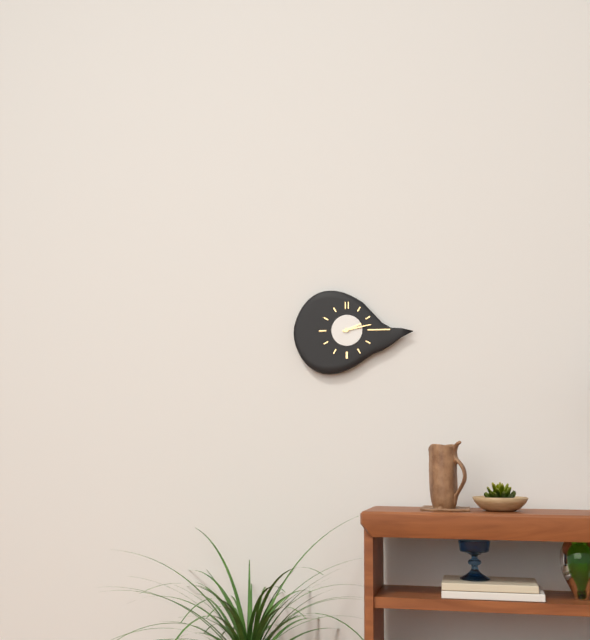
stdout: 2 h 13 min
